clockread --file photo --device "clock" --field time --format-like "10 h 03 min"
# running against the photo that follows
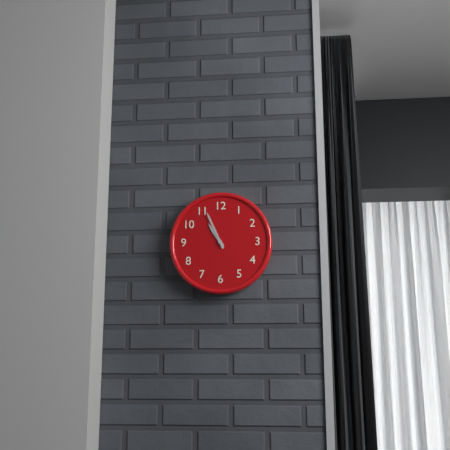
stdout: 10 h 56 min
